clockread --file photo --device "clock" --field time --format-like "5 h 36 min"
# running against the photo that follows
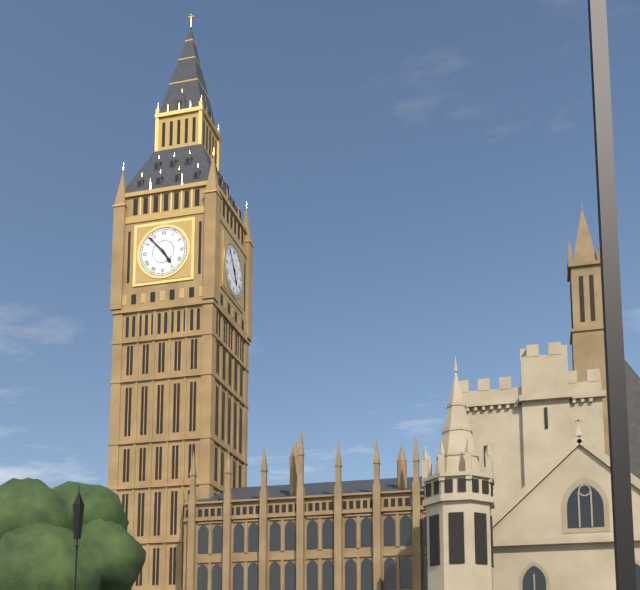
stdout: 4 h 53 min
